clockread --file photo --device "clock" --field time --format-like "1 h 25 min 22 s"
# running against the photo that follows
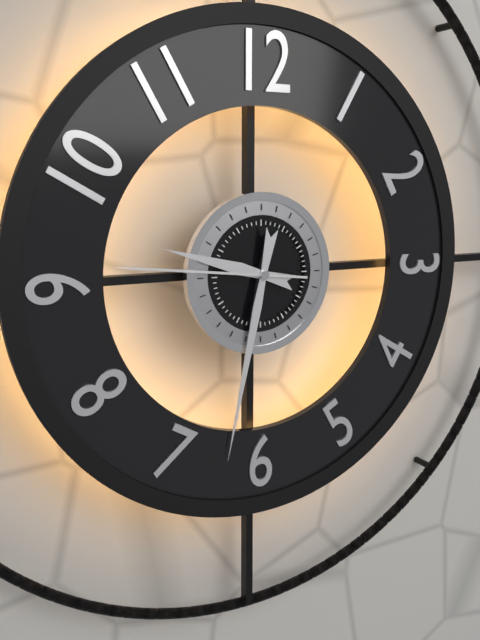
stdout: 9 h 32 min 46 s
